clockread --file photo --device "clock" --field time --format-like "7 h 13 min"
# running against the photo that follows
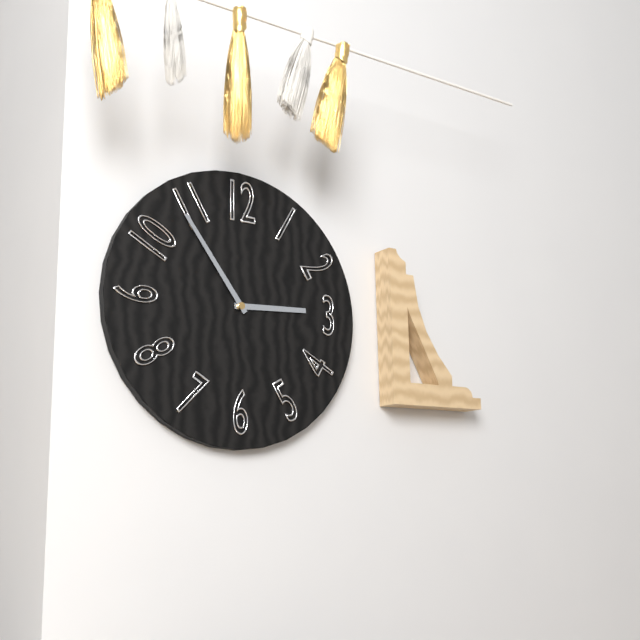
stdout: 2 h 54 min
